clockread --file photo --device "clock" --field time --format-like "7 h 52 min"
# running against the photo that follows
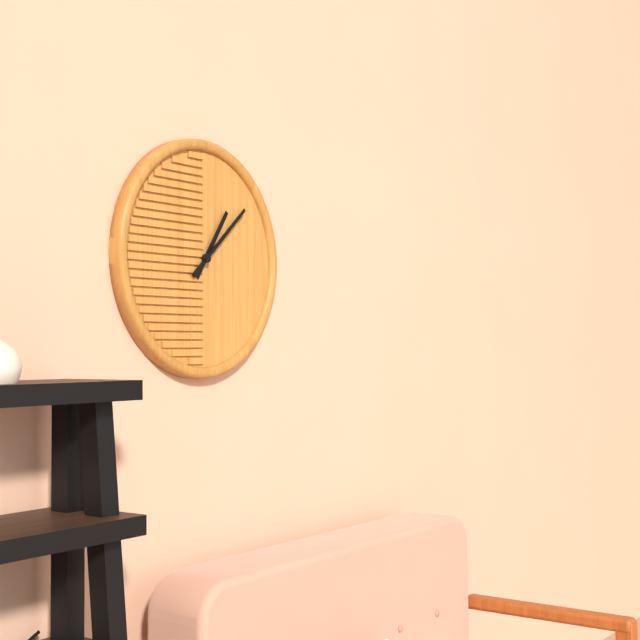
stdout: 1 h 08 min
